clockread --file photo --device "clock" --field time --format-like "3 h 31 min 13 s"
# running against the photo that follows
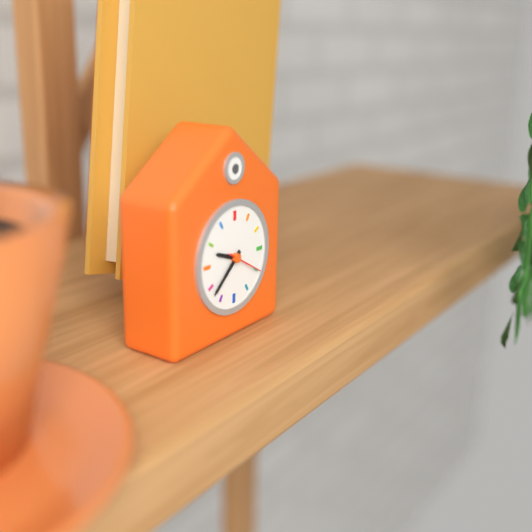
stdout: 9 h 38 min 20 s
